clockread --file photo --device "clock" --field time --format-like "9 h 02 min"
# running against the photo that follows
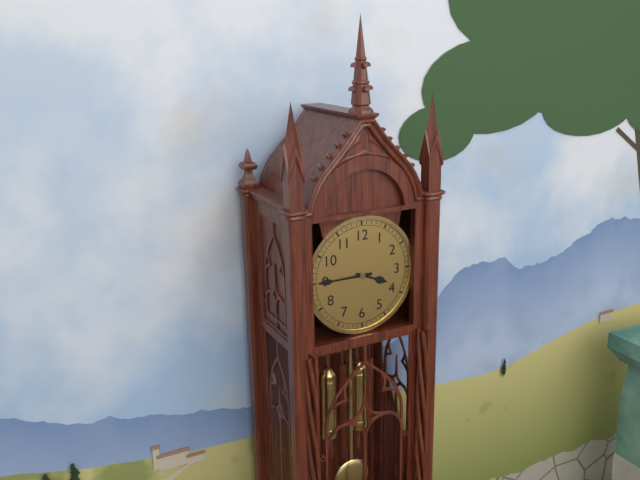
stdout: 3 h 45 min
